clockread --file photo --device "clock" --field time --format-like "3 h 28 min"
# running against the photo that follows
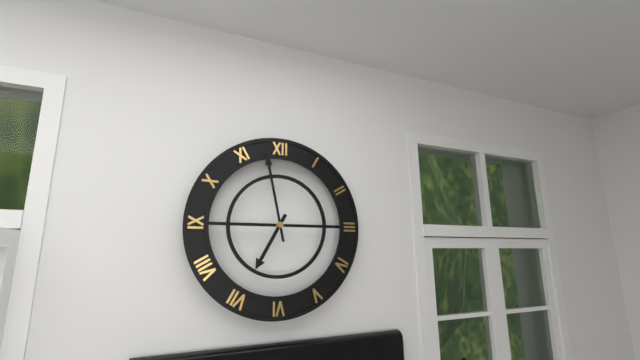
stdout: 6 h 58 min
